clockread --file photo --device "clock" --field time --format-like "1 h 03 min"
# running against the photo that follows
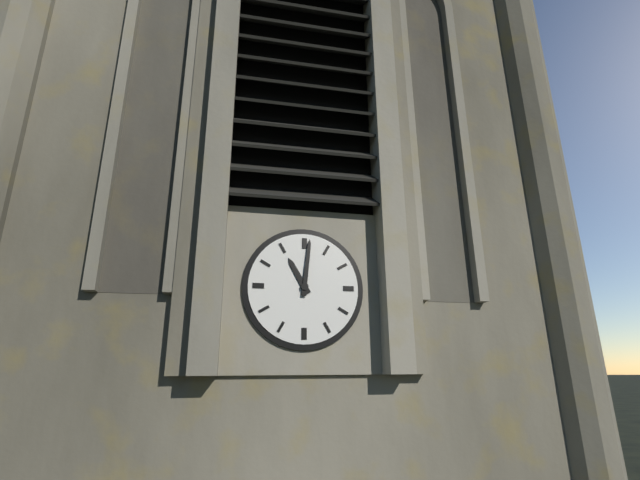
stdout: 11 h 01 min
